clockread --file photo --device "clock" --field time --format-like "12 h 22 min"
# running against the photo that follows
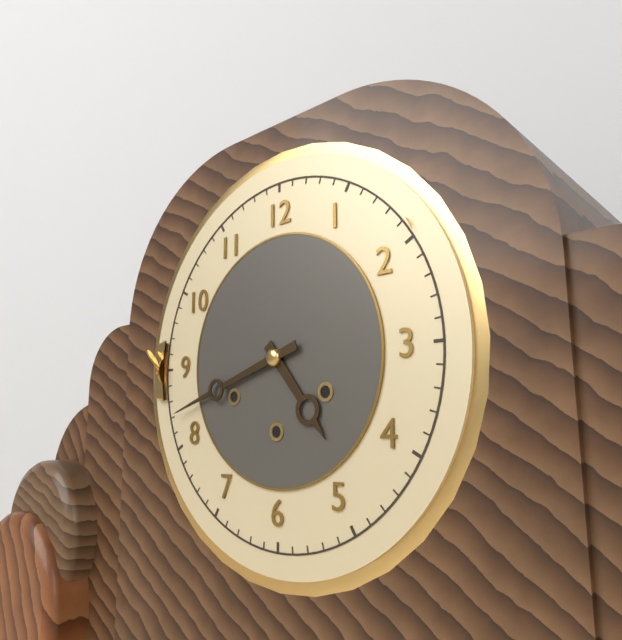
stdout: 4 h 42 min
